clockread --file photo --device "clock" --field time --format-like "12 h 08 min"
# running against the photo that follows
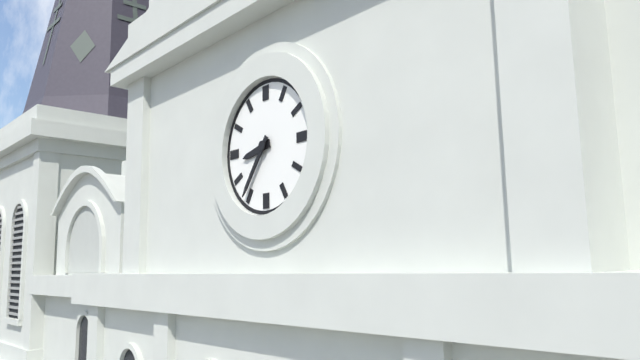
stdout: 8 h 36 min
